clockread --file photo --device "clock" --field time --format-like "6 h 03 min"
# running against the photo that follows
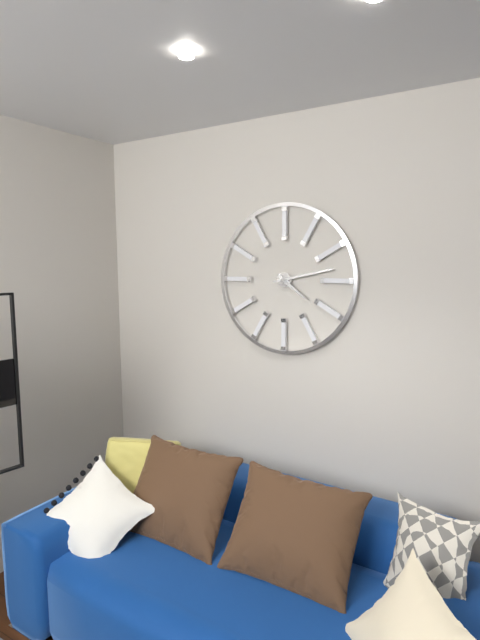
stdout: 4 h 13 min
